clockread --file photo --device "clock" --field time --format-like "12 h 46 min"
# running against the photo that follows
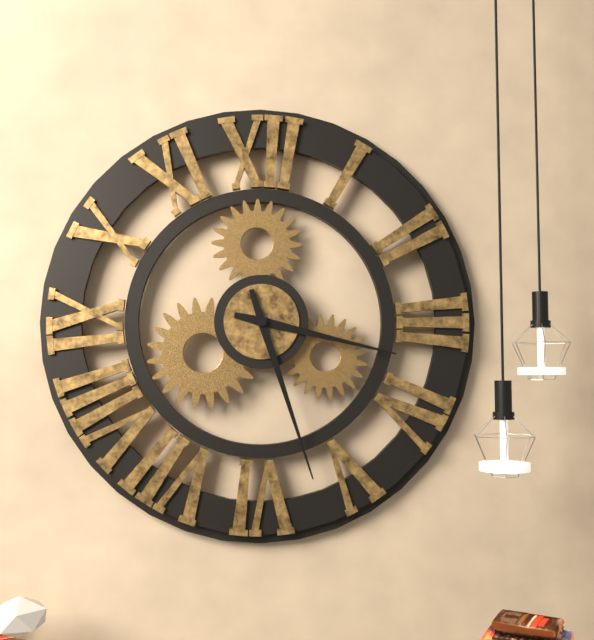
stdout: 3 h 27 min
